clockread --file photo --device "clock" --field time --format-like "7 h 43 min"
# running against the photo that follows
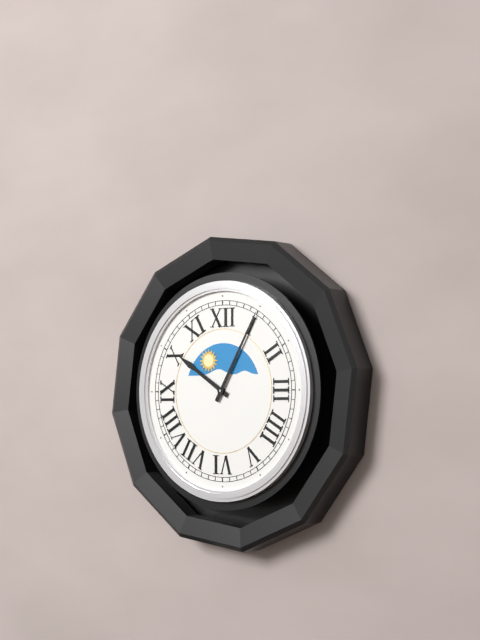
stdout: 10 h 05 min
